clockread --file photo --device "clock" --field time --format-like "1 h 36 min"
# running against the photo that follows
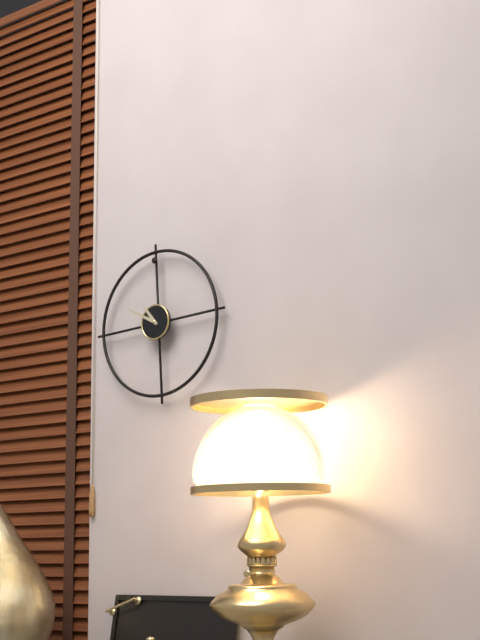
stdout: 10 h 50 min
